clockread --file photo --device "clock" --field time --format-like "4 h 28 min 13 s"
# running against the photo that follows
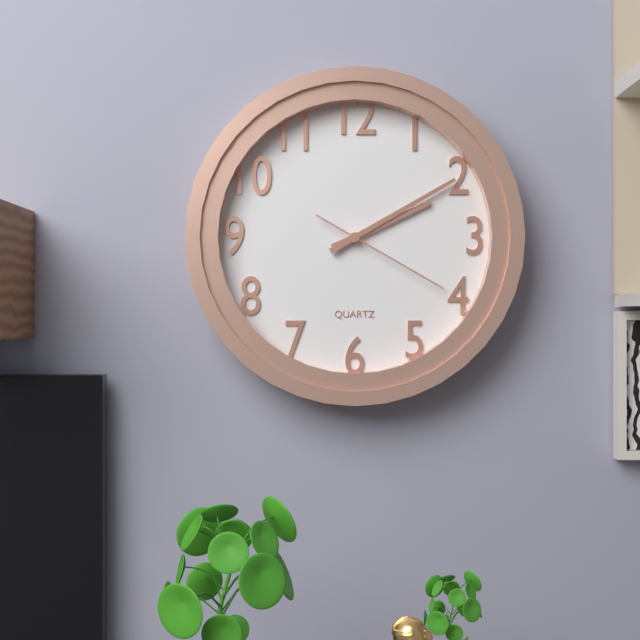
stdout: 2 h 10 min 20 s
